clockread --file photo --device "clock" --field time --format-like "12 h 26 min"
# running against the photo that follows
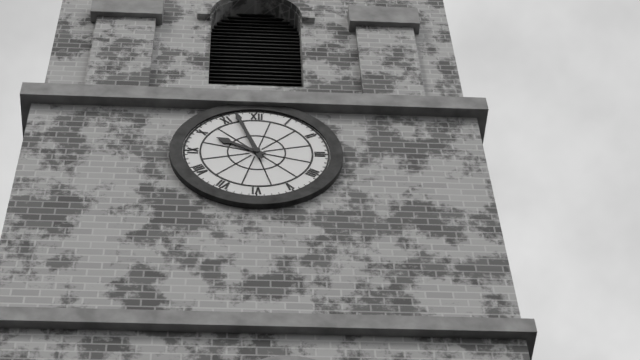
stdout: 9 h 57 min
